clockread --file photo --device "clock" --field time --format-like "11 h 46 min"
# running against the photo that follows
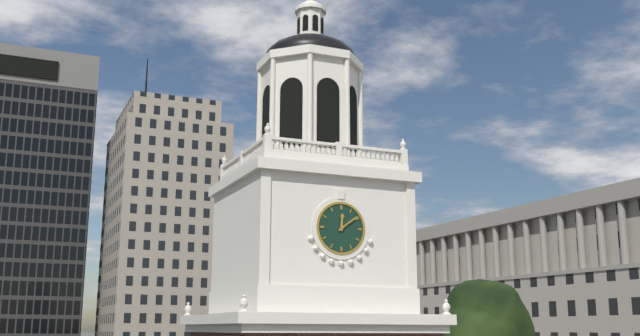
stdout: 12 h 09 min
